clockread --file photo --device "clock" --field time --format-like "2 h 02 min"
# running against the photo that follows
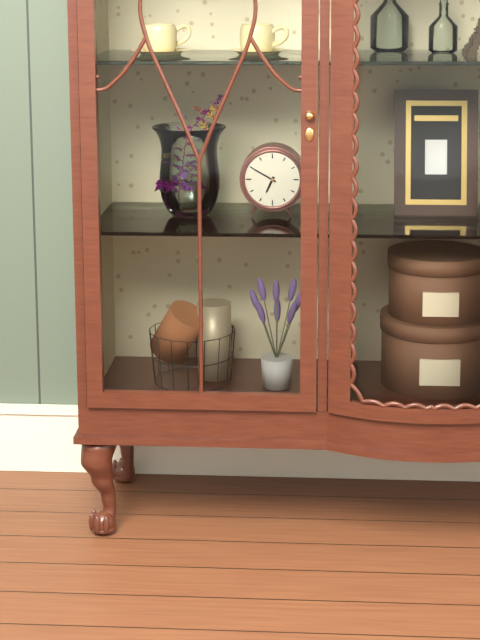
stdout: 6 h 50 min
